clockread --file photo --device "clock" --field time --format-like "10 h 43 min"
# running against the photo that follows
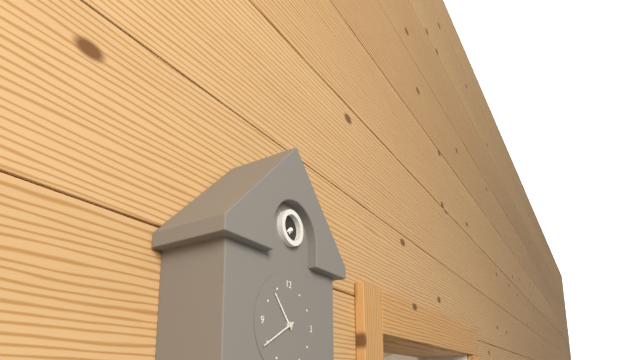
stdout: 10 h 40 min
